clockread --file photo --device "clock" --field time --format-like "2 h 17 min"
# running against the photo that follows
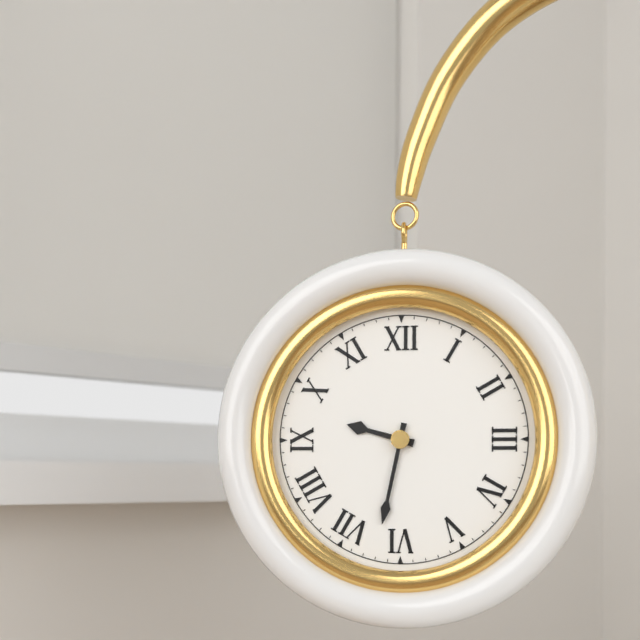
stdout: 9 h 32 min
